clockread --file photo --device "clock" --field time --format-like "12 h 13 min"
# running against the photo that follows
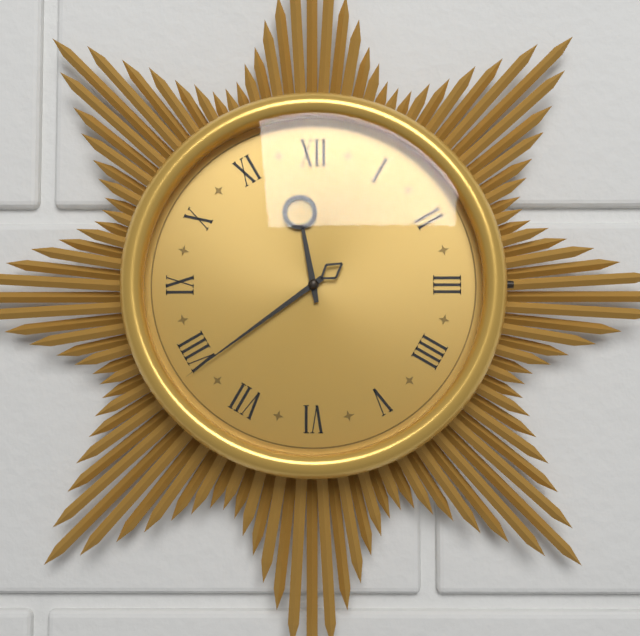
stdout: 11 h 39 min
